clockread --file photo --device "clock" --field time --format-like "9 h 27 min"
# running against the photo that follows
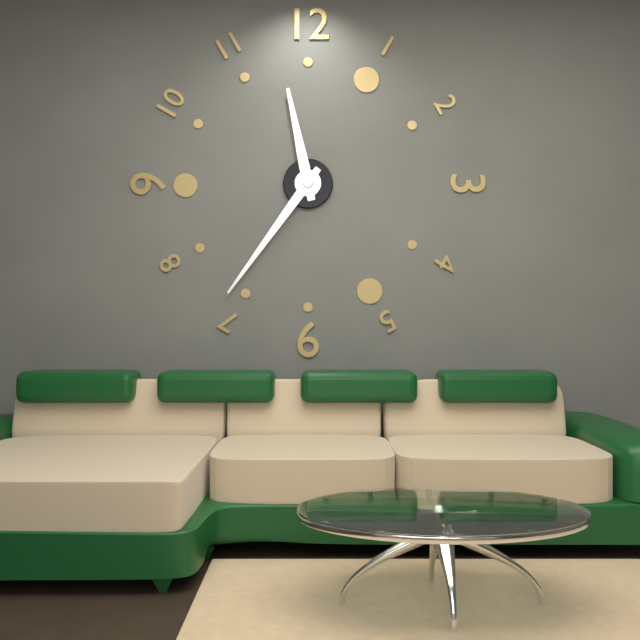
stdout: 11 h 36 min
